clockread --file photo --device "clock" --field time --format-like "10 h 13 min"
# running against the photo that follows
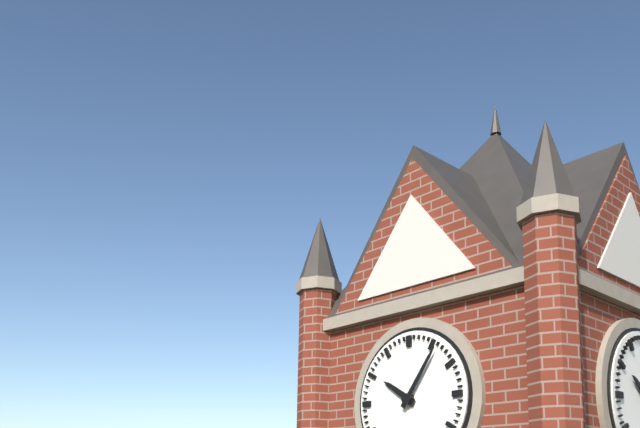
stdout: 10 h 06 min
